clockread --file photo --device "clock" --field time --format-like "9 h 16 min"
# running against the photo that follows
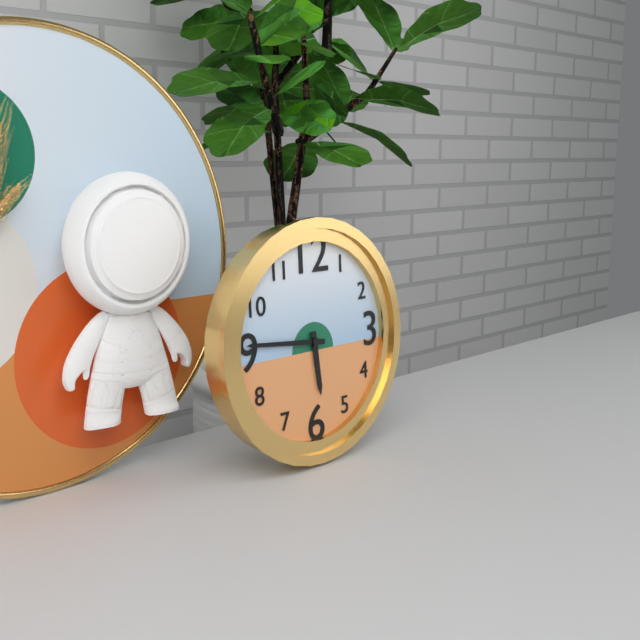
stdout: 5 h 46 min
